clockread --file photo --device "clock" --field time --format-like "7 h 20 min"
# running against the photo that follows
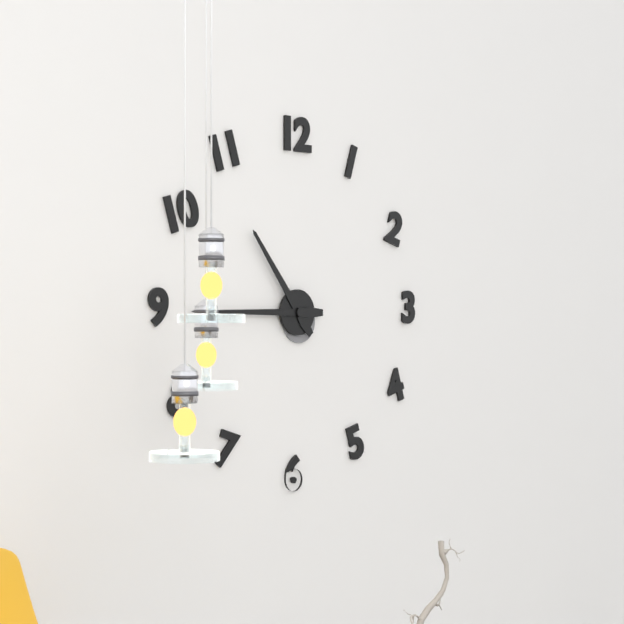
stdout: 10 h 45 min
